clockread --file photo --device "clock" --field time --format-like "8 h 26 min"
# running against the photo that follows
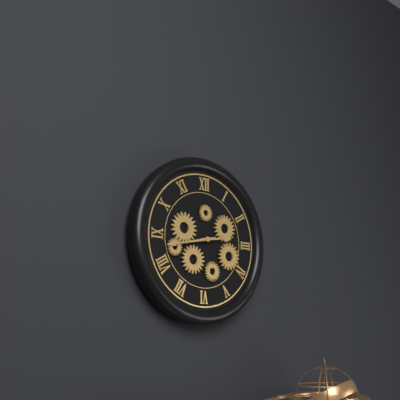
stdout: 2 h 43 min
